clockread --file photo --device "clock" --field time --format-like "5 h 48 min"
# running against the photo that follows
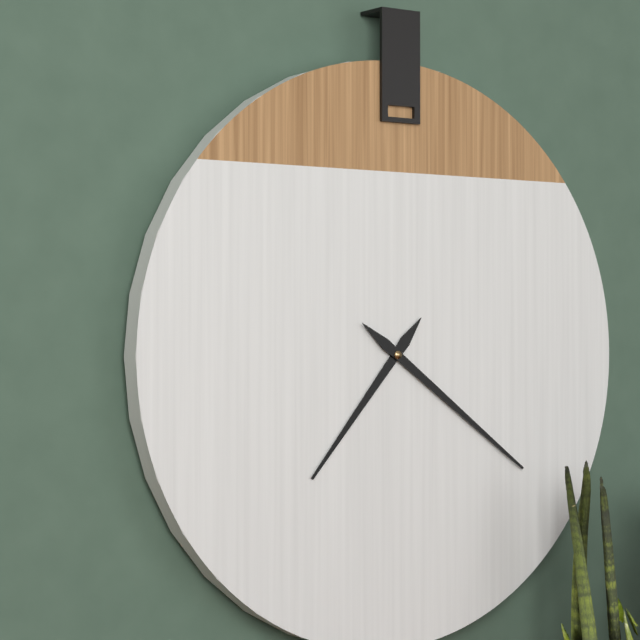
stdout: 7 h 21 min
